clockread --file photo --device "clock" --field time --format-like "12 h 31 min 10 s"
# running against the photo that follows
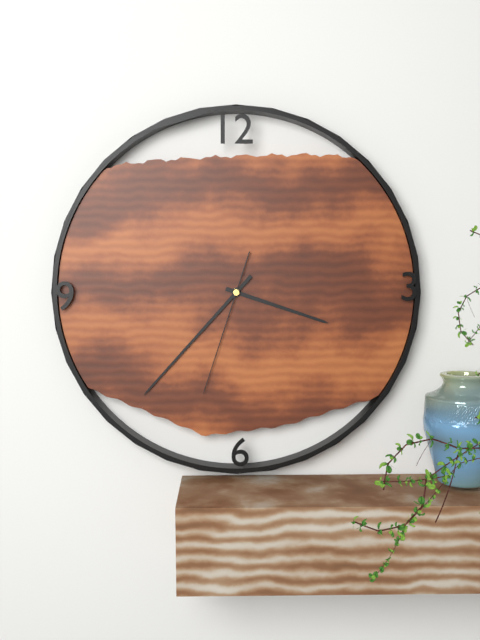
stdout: 3 h 37 min 33 s
